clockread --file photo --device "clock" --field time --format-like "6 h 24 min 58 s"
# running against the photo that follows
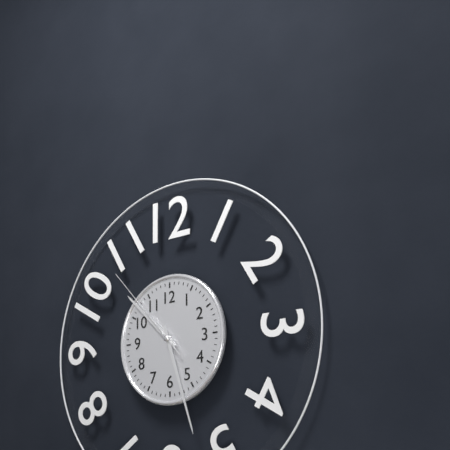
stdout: 10 h 27 min 53 s
